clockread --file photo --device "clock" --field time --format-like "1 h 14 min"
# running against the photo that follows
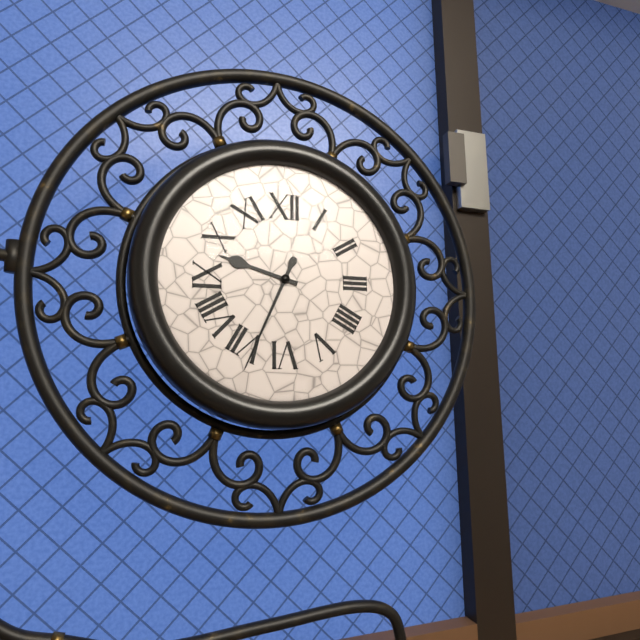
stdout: 9 h 34 min
